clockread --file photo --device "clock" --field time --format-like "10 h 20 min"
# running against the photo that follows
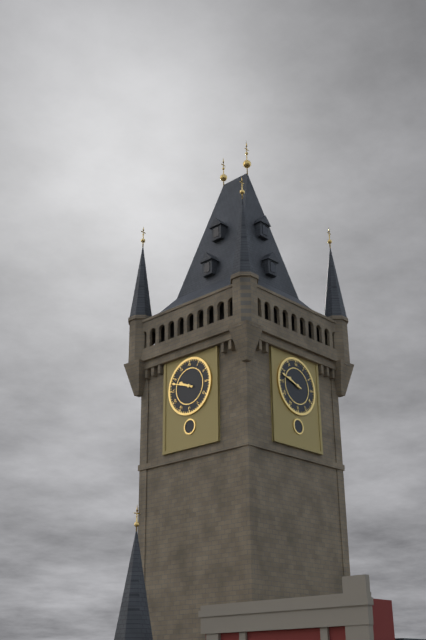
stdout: 9 h 48 min
